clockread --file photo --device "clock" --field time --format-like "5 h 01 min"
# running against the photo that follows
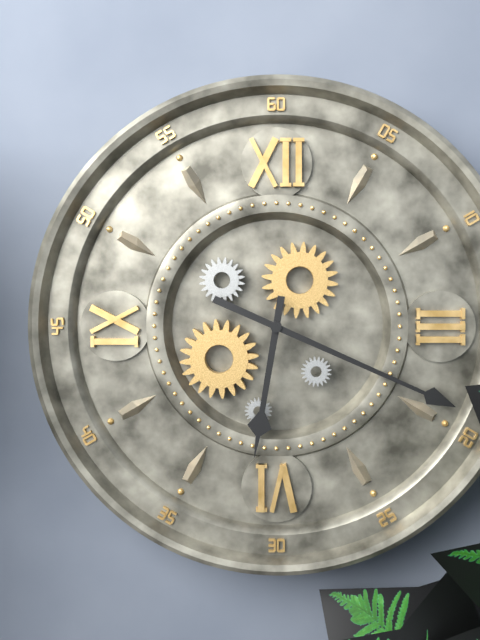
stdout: 6 h 19 min
